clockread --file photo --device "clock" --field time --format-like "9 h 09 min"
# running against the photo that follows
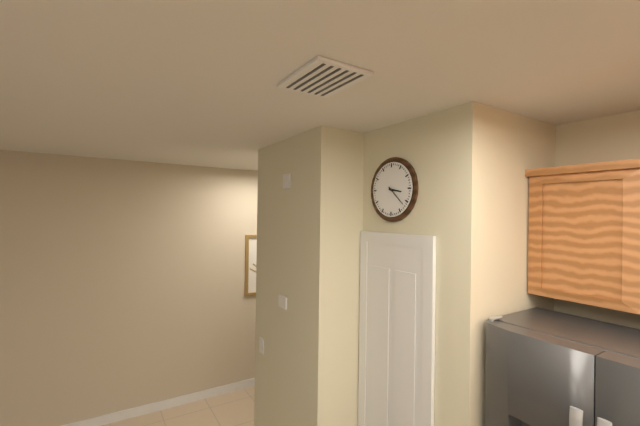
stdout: 3 h 22 min
